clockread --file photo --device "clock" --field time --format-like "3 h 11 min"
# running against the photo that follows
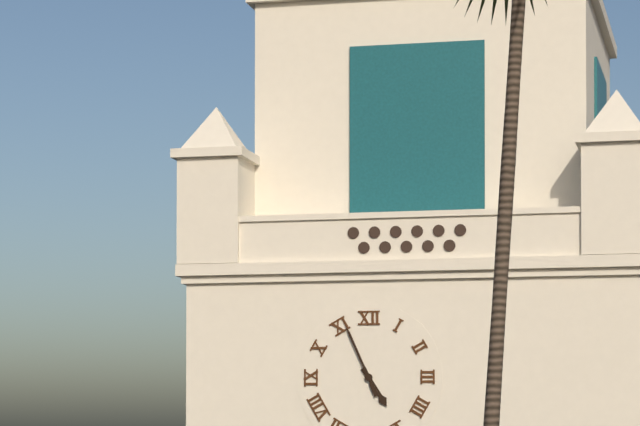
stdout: 4 h 56 min
